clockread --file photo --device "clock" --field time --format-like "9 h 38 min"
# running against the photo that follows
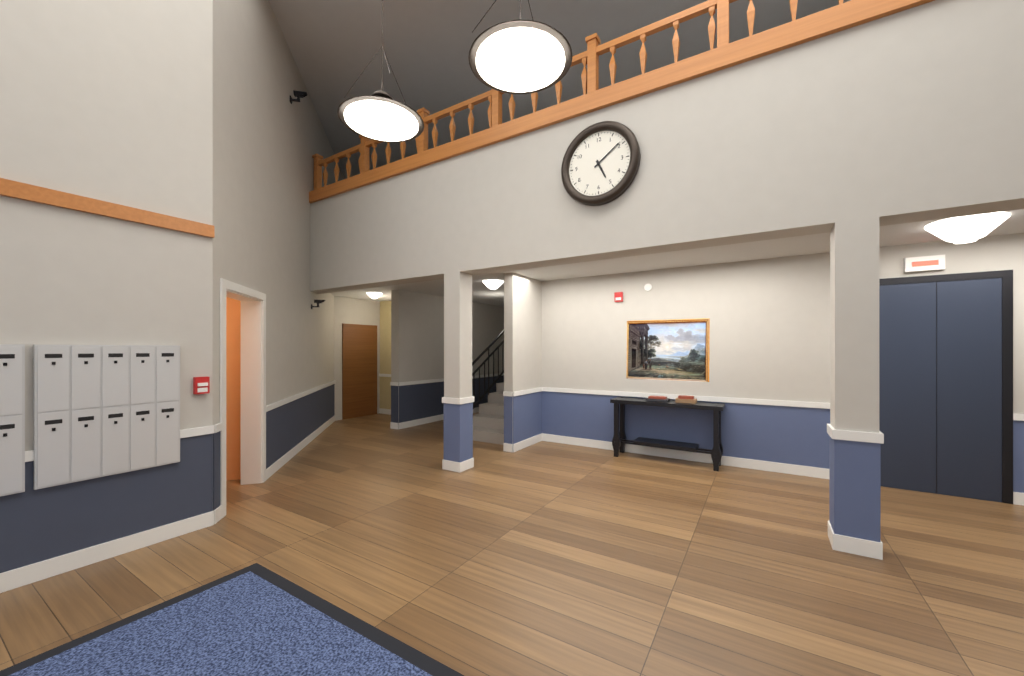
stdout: 5 h 09 min
